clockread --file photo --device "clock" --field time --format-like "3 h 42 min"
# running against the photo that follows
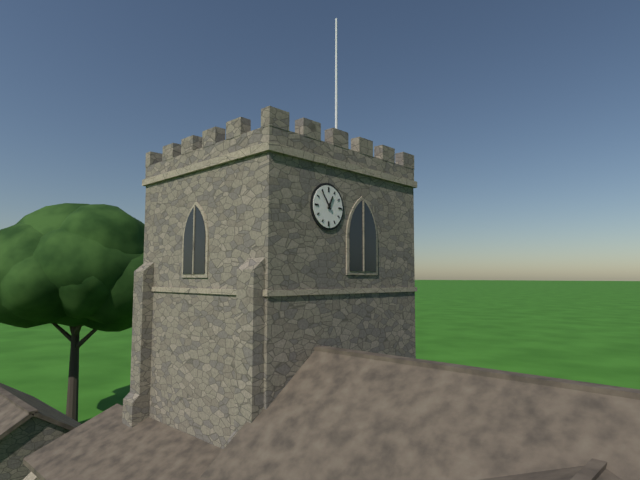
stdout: 12 h 54 min
